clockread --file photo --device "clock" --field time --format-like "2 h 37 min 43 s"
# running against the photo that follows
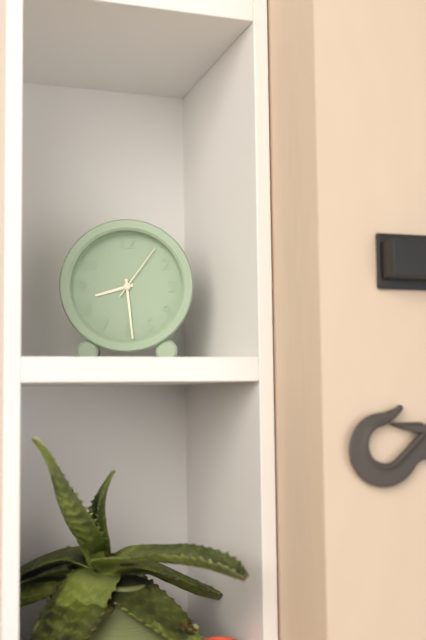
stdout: 8 h 29 min 06 s
